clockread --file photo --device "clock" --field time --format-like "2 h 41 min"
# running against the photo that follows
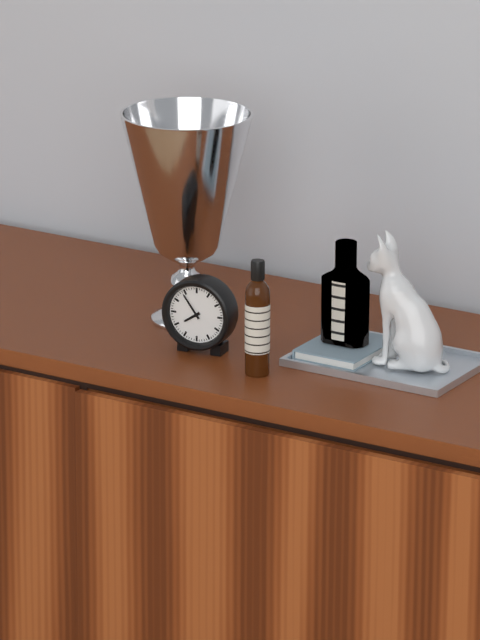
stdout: 7 h 54 min
